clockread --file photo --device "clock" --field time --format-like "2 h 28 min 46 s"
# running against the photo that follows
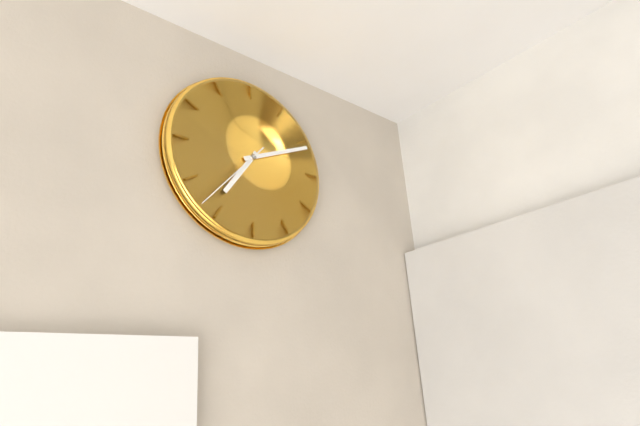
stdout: 7 h 11 min 37 s
